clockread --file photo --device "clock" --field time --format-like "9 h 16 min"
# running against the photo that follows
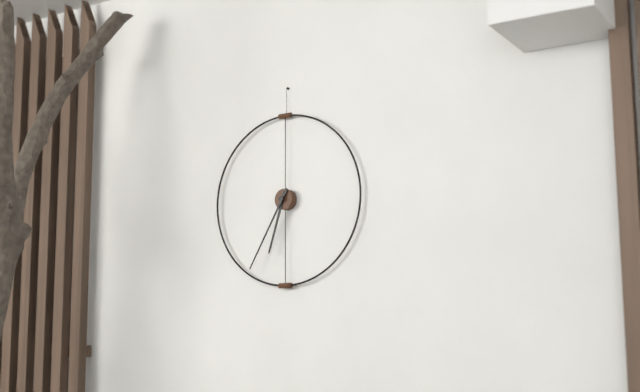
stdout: 6 h 35 min
